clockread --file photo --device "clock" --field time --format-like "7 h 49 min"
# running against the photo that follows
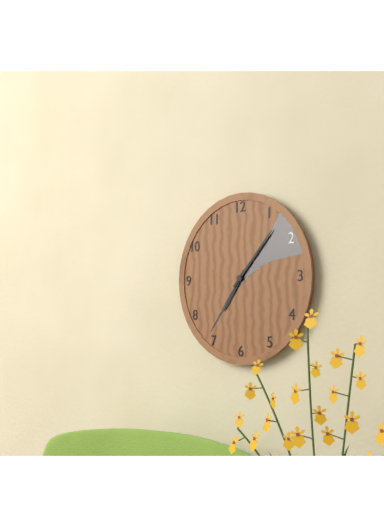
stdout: 7 h 07 min
